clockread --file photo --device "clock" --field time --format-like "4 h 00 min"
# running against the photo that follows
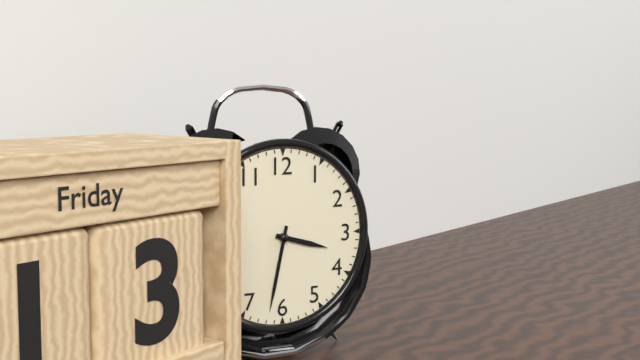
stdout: 3 h 32 min
